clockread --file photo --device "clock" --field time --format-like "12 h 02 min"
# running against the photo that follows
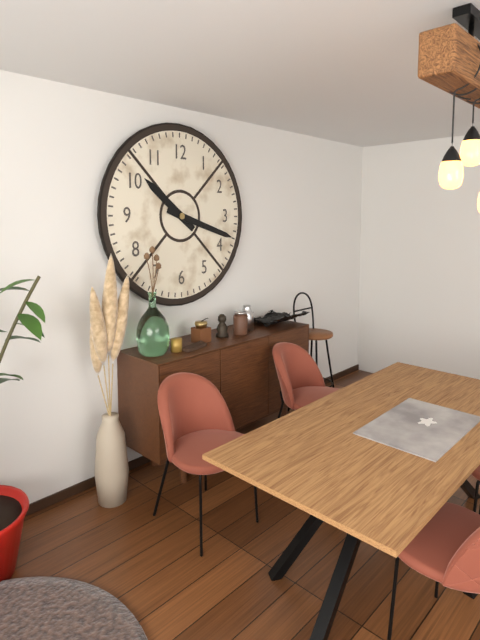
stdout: 10 h 18 min
